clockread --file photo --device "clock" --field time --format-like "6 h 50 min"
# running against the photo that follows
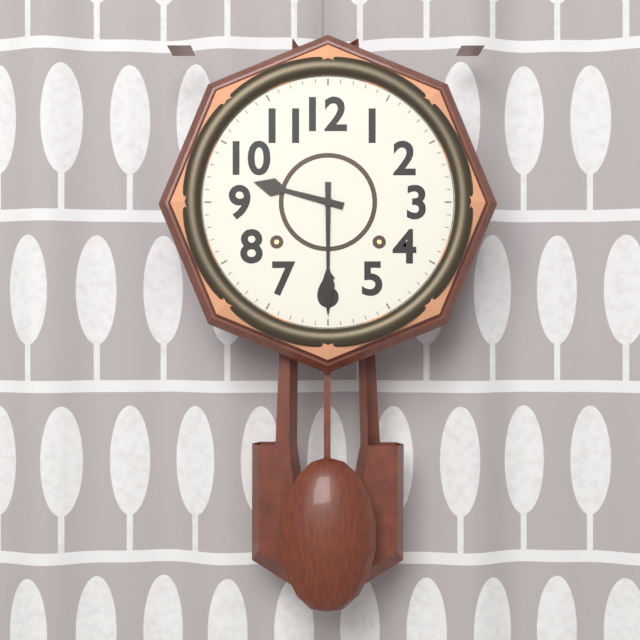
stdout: 9 h 30 min
